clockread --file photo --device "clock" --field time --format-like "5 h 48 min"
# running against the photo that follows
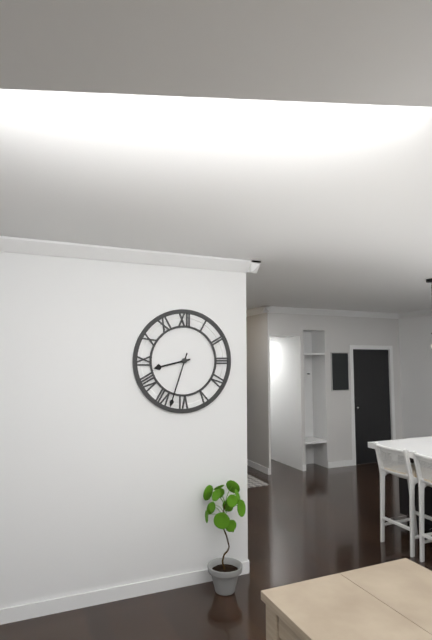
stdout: 8 h 33 min
